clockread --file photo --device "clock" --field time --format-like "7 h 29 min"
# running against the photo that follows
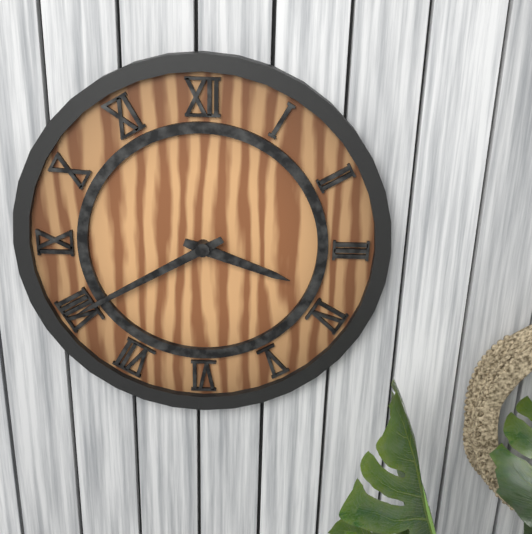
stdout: 3 h 40 min
